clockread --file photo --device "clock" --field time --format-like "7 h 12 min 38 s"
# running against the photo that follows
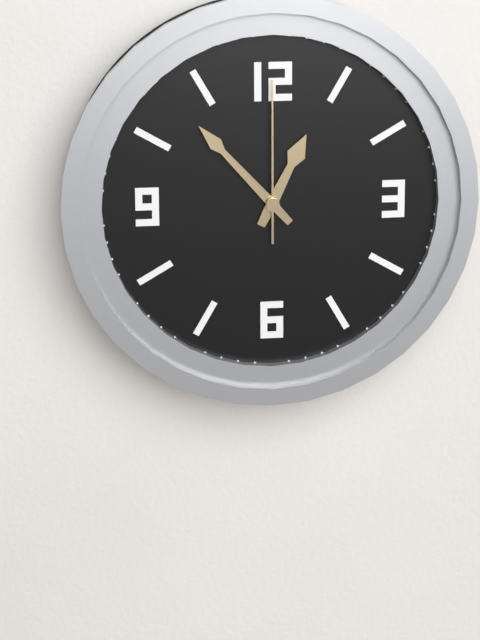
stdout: 12 h 53 min 00 s
